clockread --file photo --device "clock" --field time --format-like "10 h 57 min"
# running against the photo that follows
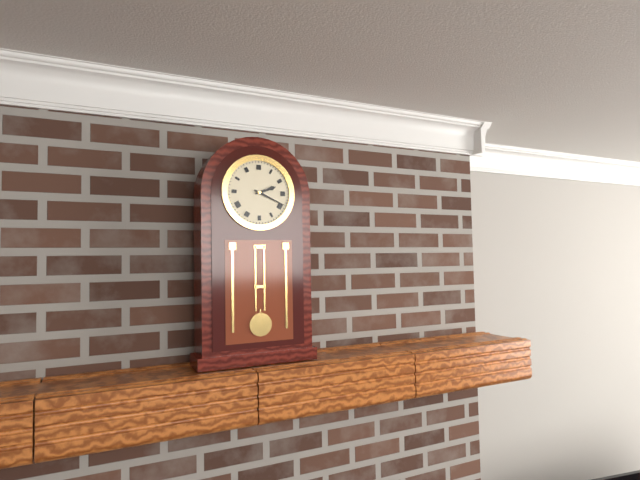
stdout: 2 h 19 min
